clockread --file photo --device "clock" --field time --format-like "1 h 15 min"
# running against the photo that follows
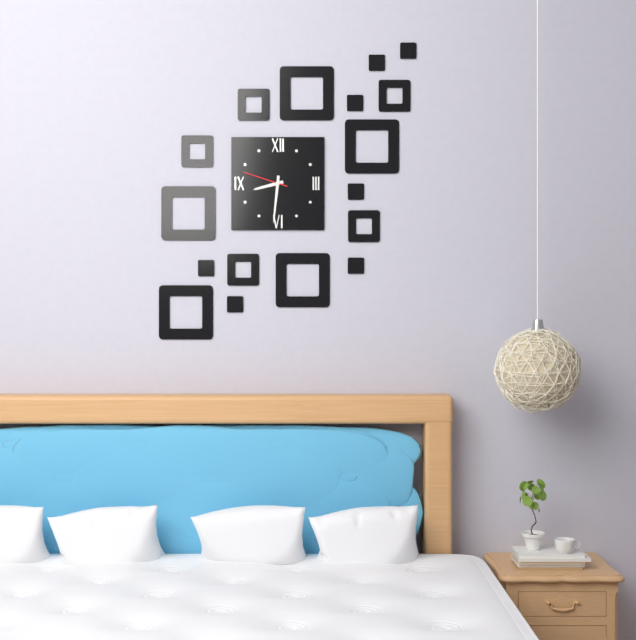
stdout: 8 h 31 min
